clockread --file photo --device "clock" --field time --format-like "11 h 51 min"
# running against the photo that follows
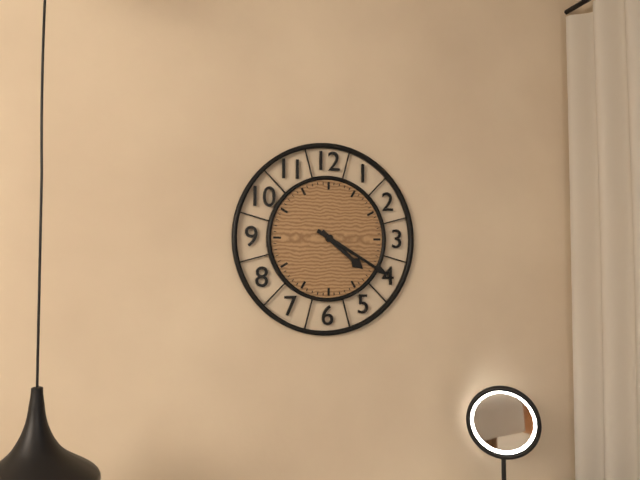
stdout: 4 h 20 min
